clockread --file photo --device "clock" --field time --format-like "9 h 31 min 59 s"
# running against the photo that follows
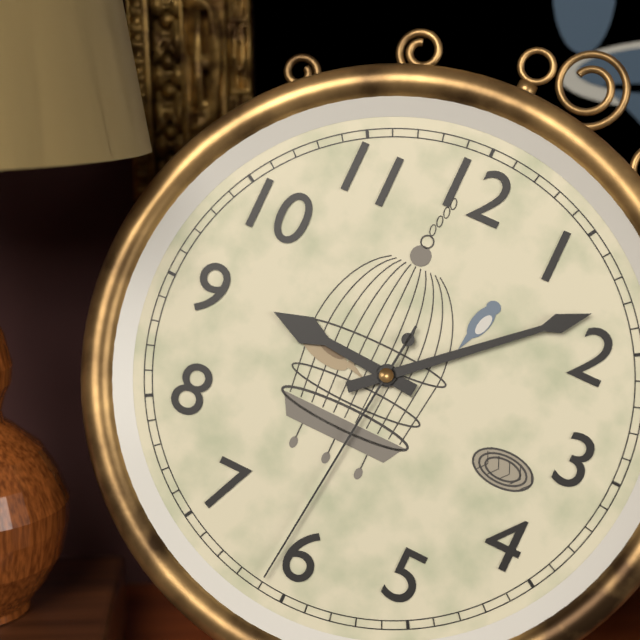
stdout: 9 h 08 min 31 s
